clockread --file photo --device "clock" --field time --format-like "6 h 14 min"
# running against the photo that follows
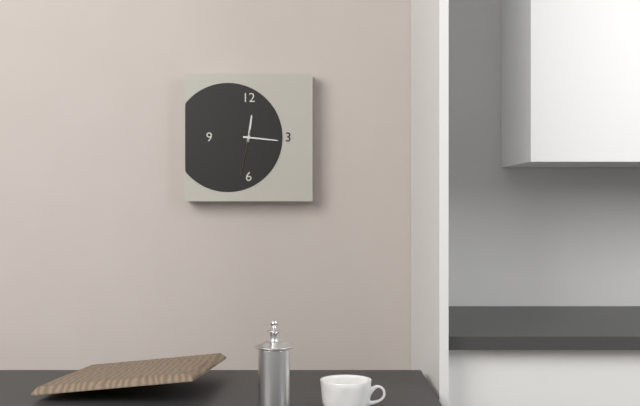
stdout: 12 h 16 min
